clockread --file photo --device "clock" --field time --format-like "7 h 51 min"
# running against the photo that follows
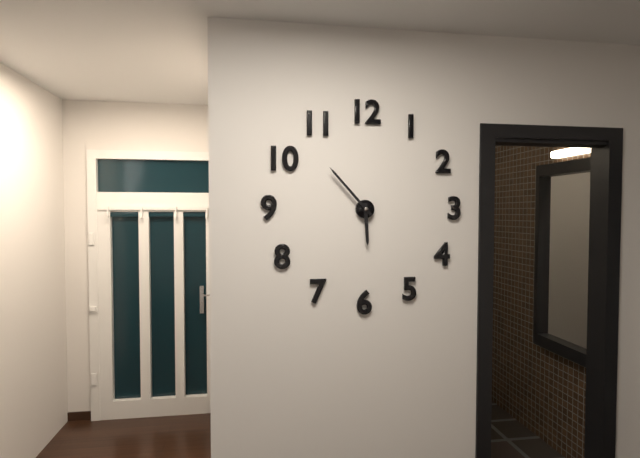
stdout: 5 h 53 min
